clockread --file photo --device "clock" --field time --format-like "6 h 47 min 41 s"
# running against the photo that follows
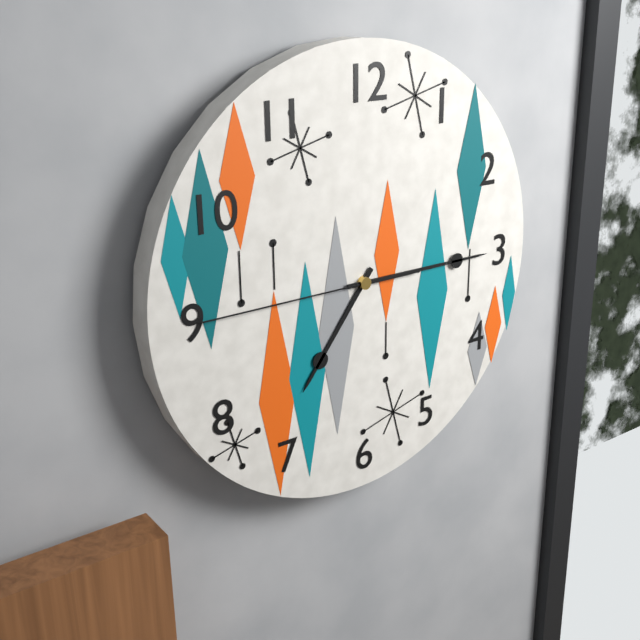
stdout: 7 h 15 min 45 s
